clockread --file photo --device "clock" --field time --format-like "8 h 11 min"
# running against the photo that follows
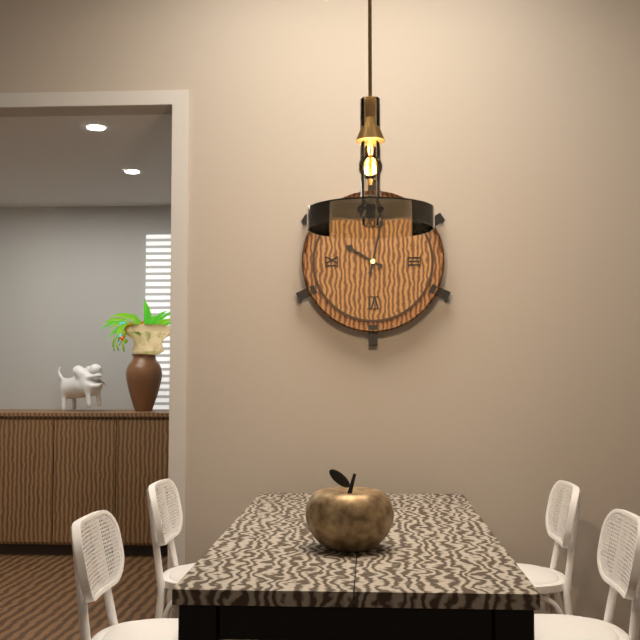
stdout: 10 h 02 min
